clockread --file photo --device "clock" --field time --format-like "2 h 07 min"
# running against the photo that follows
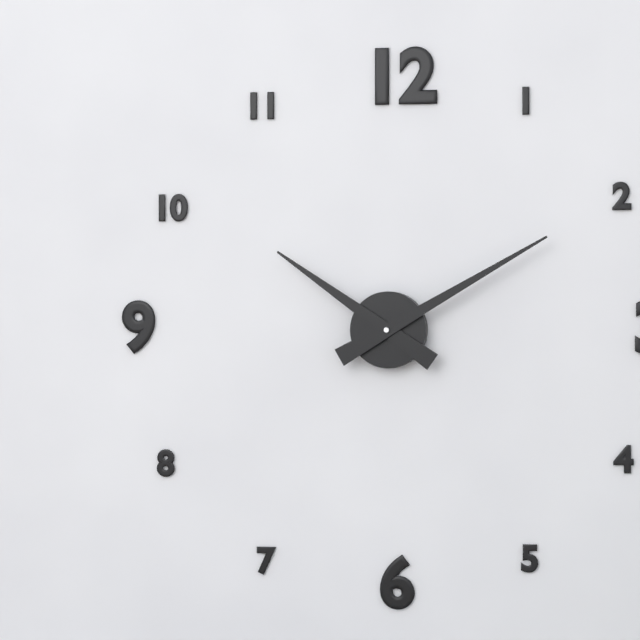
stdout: 10 h 10 min
